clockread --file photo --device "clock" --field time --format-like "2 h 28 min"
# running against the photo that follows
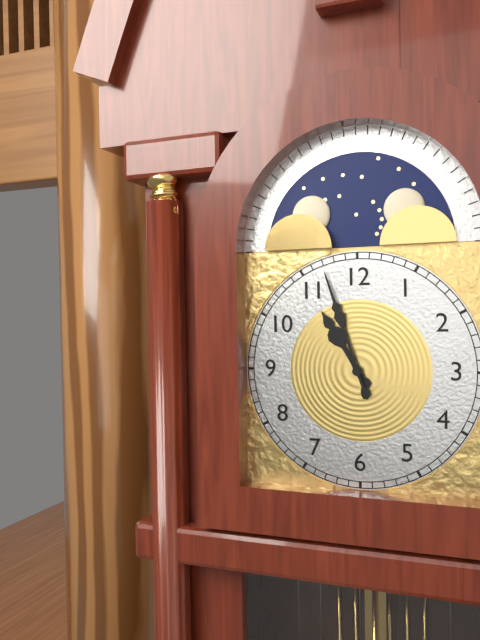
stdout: 10 h 57 min
